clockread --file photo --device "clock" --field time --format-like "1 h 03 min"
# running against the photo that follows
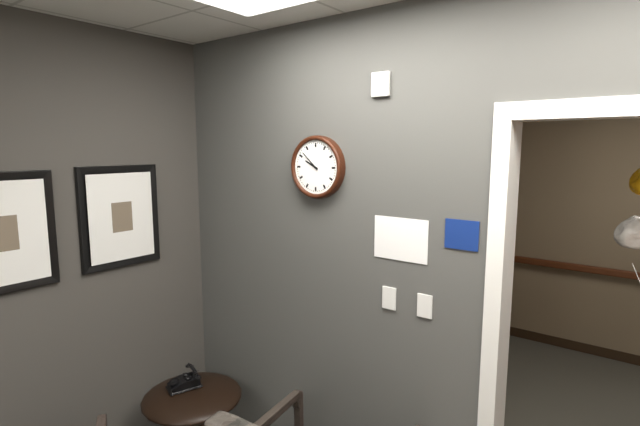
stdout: 9 h 52 min
